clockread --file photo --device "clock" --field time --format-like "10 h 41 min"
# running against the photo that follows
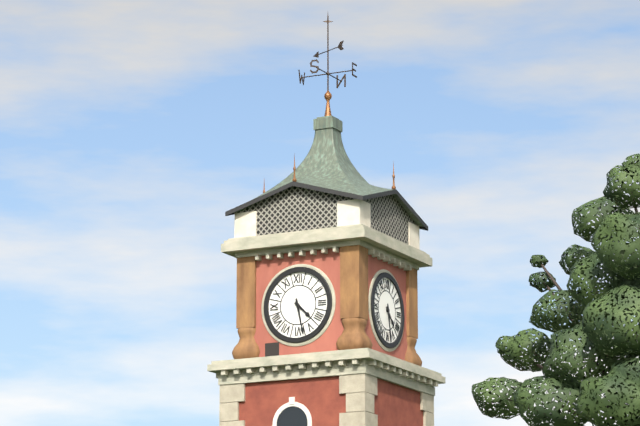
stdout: 4 h 28 min
